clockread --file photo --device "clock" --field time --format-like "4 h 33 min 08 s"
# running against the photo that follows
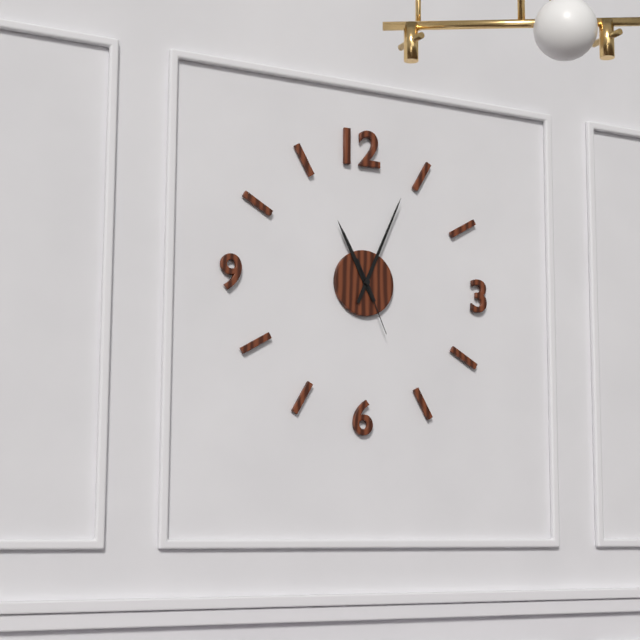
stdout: 11 h 04 min 26 s
